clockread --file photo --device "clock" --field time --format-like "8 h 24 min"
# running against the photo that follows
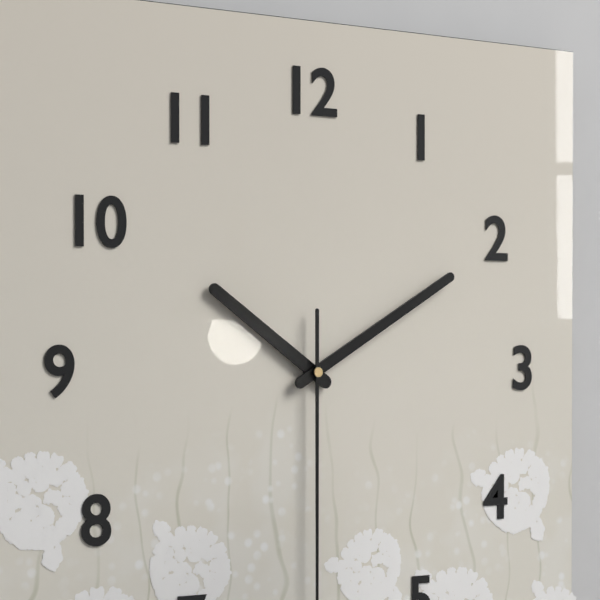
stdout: 10 h 10 min
